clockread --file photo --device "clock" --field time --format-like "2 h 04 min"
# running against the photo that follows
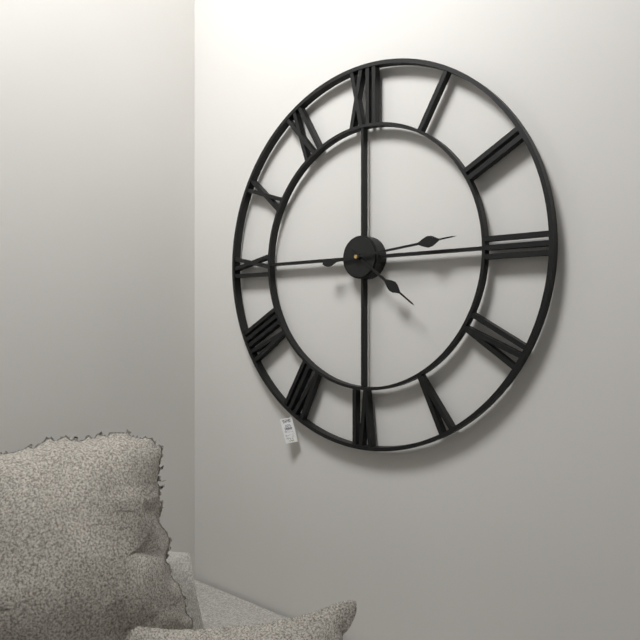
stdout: 4 h 14 min
